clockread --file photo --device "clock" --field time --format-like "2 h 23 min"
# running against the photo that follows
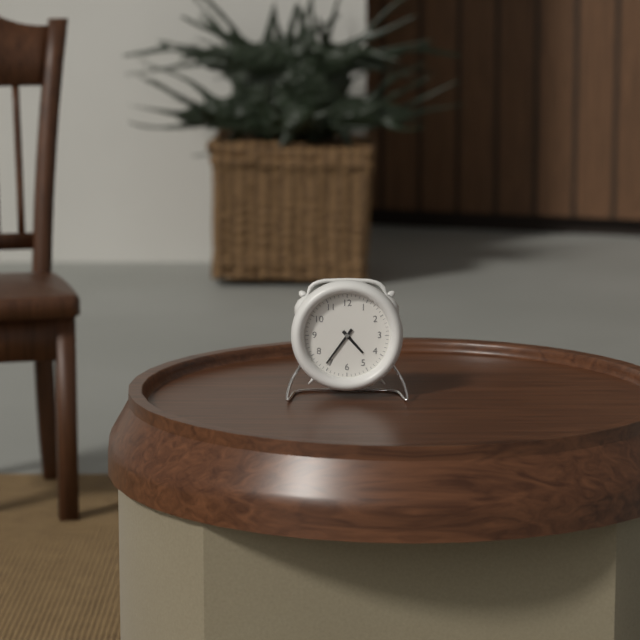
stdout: 4 h 36 min
